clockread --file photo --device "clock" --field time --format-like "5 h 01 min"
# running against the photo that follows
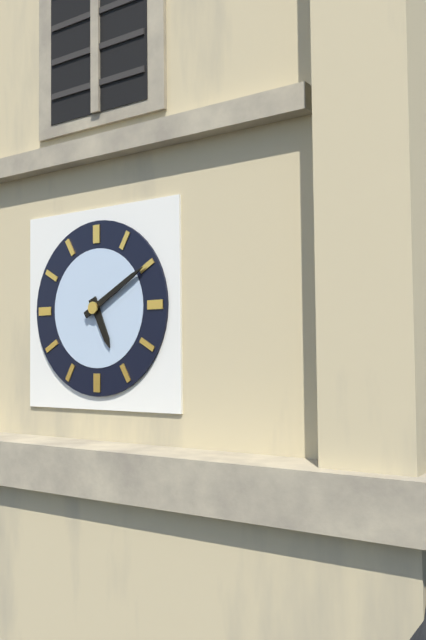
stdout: 5 h 10 min
